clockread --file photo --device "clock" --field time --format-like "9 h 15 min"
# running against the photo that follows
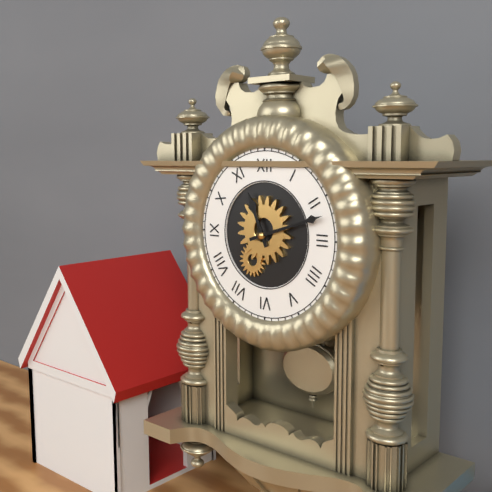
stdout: 11 h 12 min
